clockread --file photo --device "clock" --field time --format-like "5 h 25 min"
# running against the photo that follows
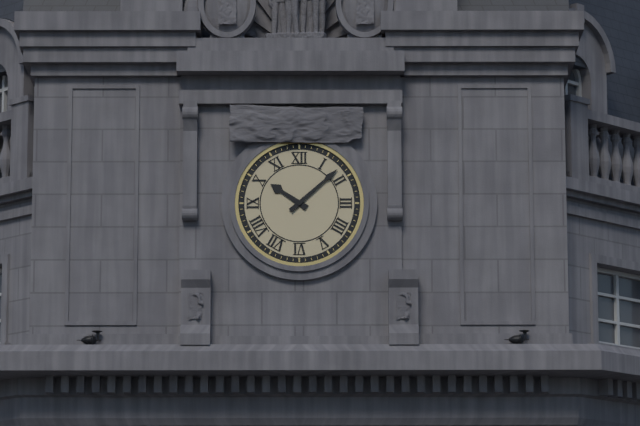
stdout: 10 h 08 min
